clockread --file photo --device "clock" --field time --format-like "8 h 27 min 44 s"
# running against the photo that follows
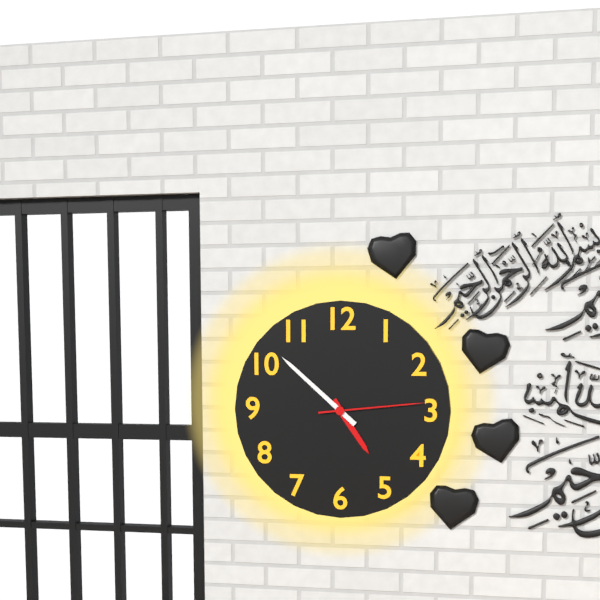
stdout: 4 h 52 min 14 s
